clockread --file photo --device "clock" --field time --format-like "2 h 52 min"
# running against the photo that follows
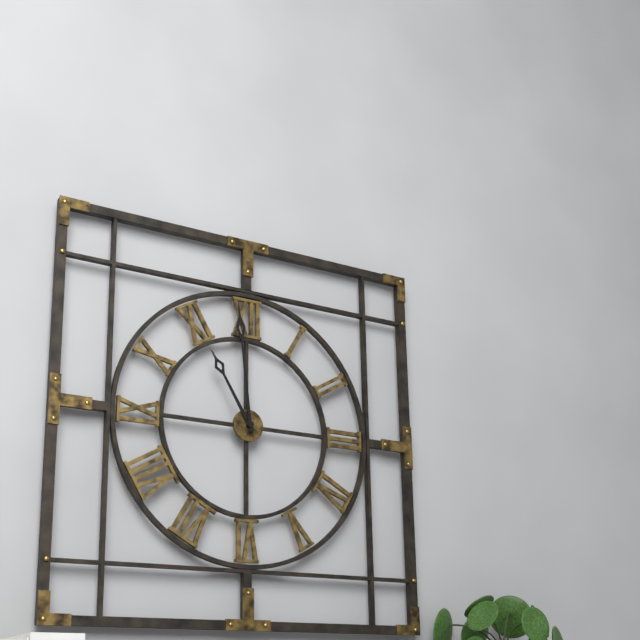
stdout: 10 h 59 min
